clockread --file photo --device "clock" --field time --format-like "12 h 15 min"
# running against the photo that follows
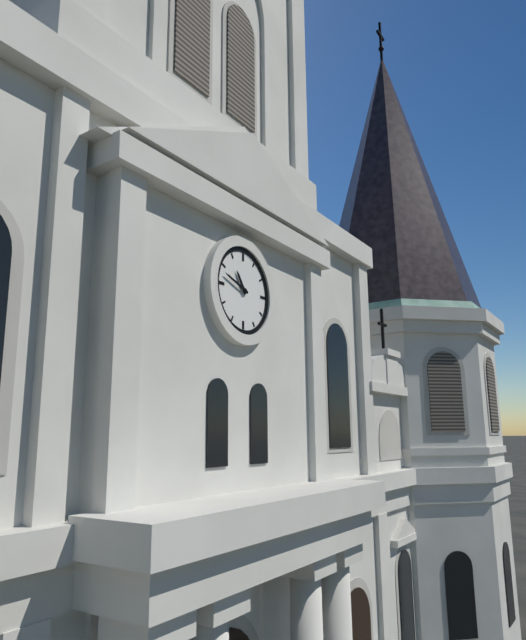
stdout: 10 h 48 min
